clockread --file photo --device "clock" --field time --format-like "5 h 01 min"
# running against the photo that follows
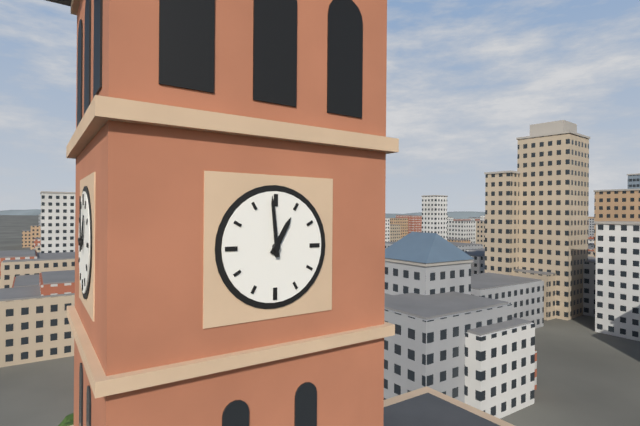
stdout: 12 h 59 min
